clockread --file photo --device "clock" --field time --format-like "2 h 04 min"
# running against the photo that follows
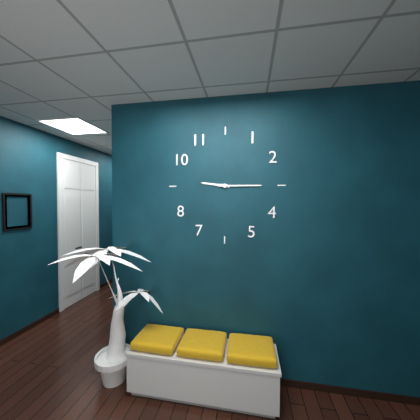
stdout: 9 h 15 min
